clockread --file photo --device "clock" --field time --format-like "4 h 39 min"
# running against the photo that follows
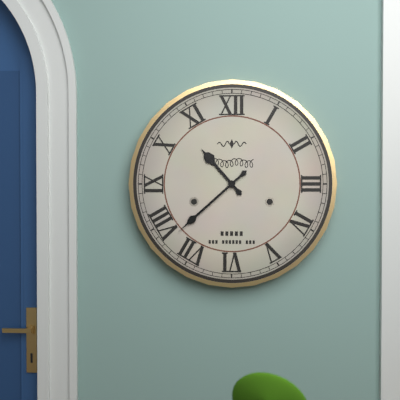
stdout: 10 h 38 min
